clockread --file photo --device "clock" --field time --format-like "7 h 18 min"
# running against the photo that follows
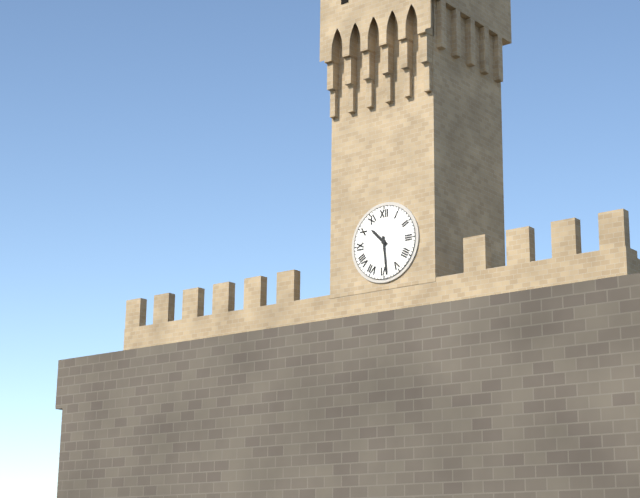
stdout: 10 h 29 min
